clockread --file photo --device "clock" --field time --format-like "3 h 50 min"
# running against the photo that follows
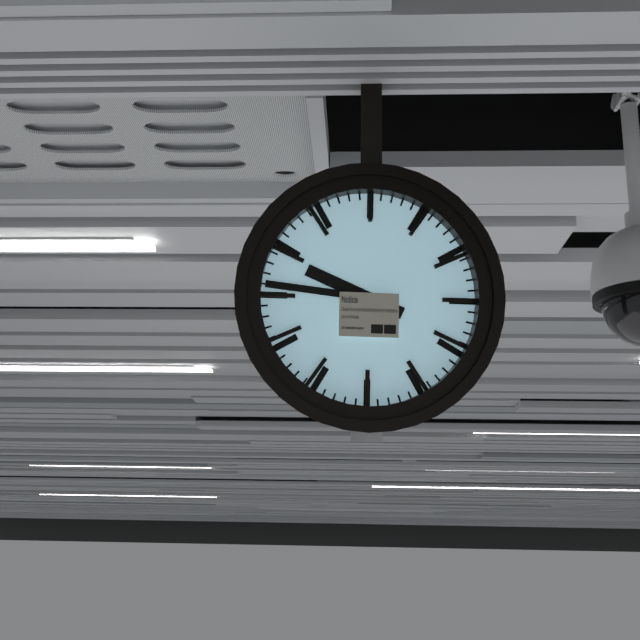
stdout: 9 h 46 min
